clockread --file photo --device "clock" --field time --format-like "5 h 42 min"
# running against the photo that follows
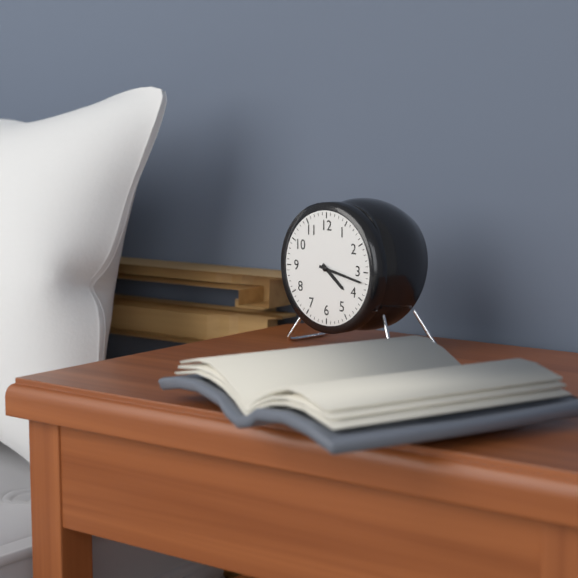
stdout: 4 h 17 min
